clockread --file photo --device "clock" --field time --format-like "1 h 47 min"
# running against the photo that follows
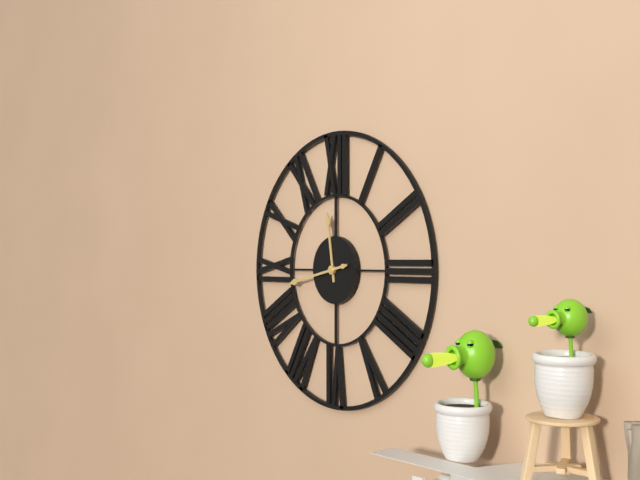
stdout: 11 h 43 min
